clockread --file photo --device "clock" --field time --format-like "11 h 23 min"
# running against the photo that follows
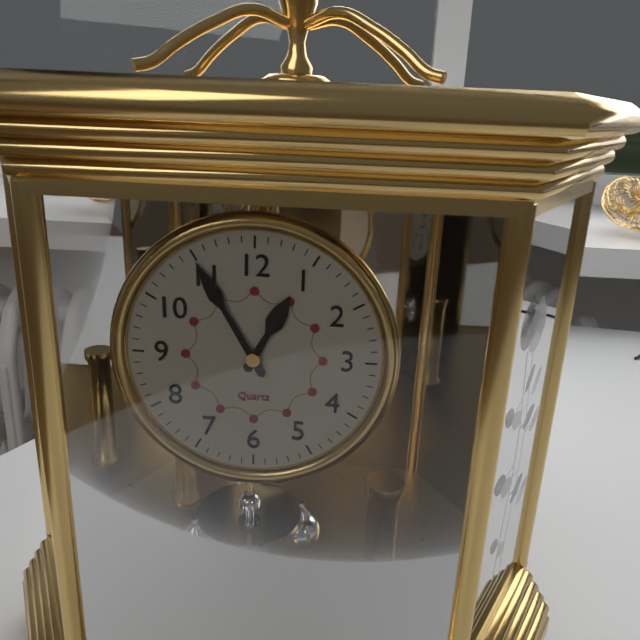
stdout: 12 h 55 min
